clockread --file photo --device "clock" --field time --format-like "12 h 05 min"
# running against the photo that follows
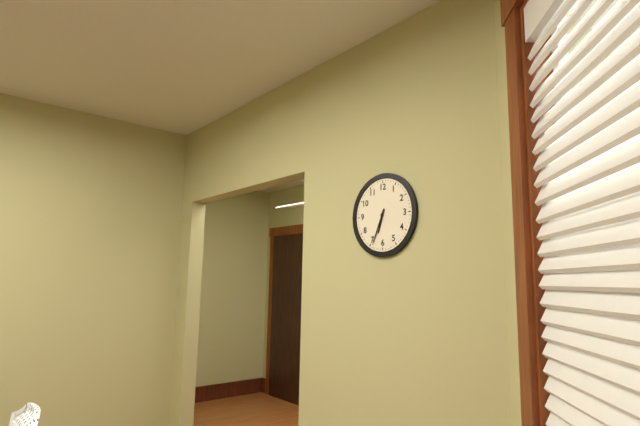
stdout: 6 h 34 min
